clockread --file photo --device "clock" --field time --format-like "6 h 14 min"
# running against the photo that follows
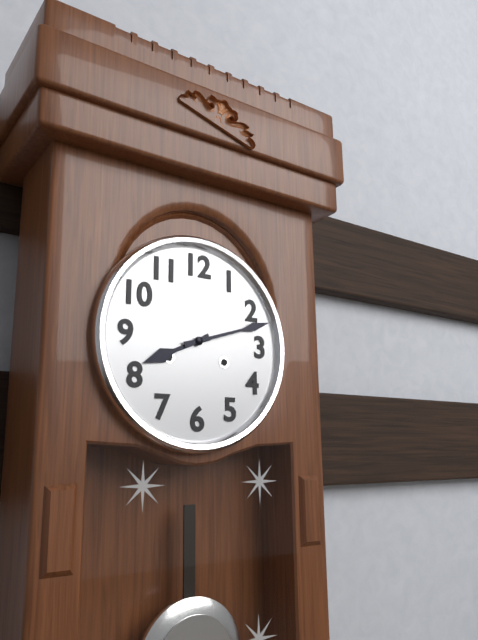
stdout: 8 h 12 min
